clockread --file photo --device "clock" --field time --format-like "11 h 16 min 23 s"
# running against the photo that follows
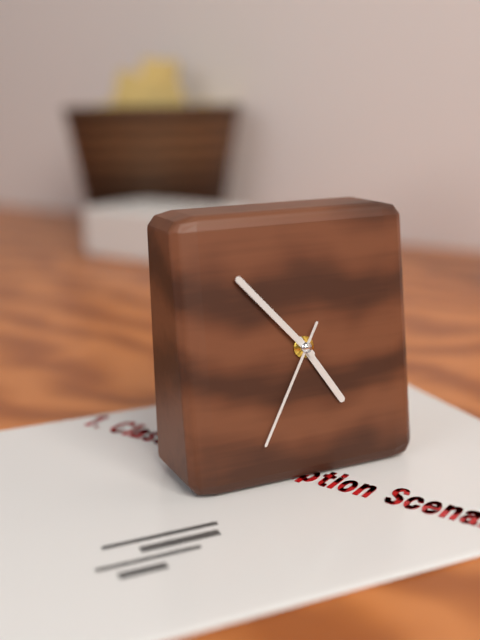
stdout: 4 h 53 min 35 s
